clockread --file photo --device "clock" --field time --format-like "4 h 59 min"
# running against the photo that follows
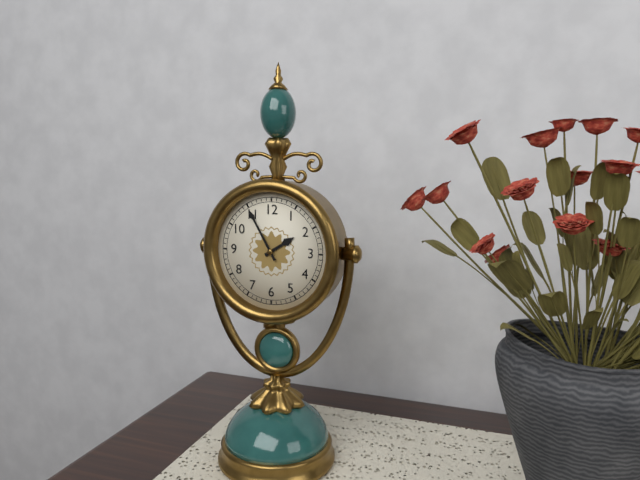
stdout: 1 h 55 min
